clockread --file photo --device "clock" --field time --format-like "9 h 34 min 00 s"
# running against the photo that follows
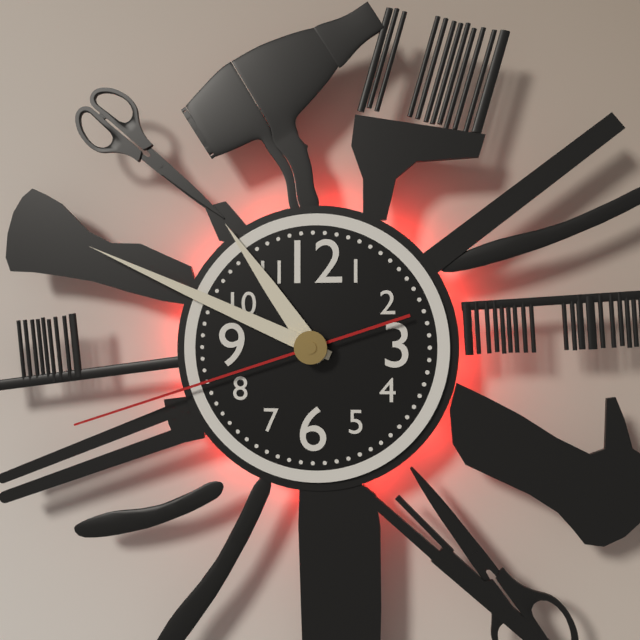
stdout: 10 h 49 min 42 s
